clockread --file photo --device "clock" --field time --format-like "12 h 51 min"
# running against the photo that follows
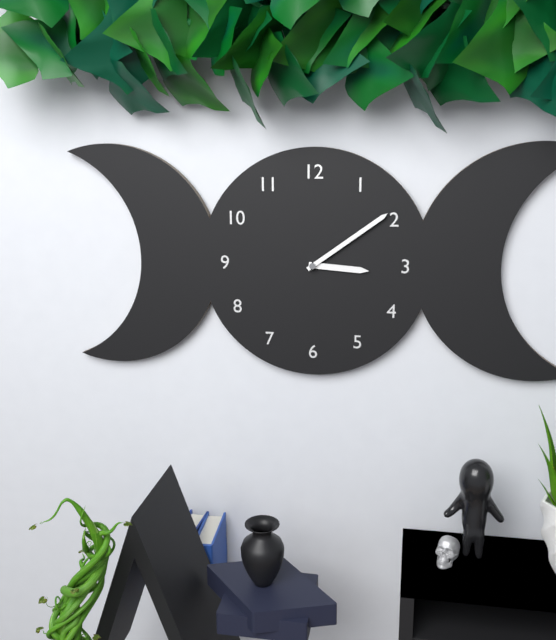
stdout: 3 h 09 min
